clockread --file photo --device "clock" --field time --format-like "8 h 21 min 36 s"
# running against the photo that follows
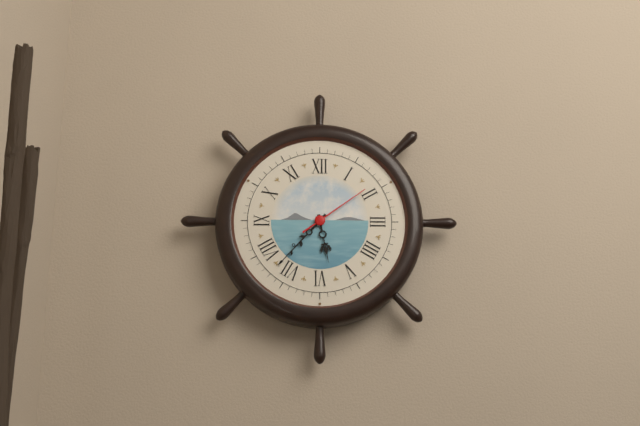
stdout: 5 h 37 min 09 s
